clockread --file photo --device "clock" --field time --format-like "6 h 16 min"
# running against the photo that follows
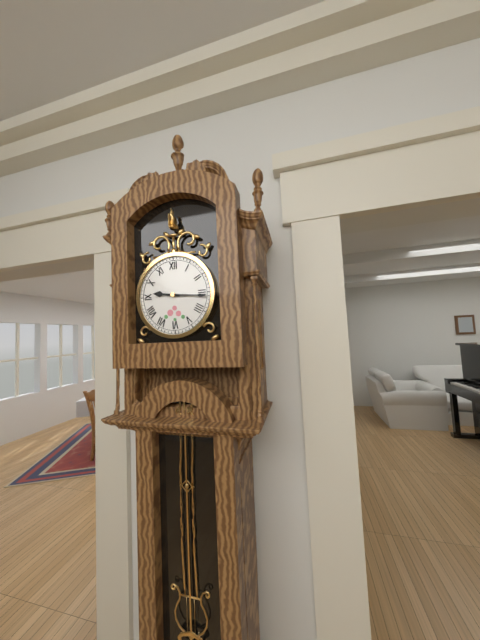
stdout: 9 h 16 min
